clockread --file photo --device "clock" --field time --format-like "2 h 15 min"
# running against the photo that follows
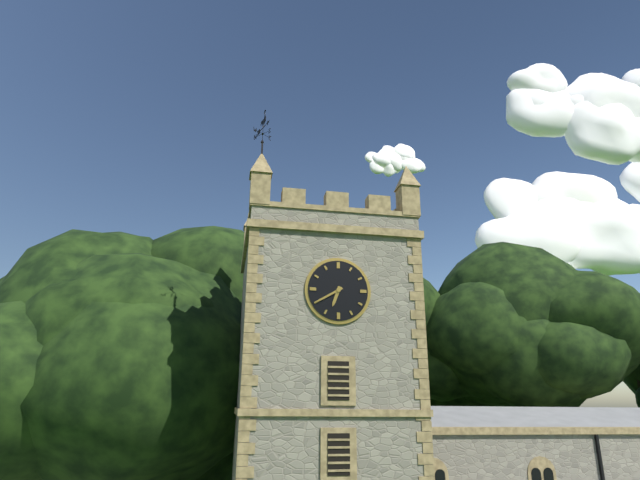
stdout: 6 h 40 min
